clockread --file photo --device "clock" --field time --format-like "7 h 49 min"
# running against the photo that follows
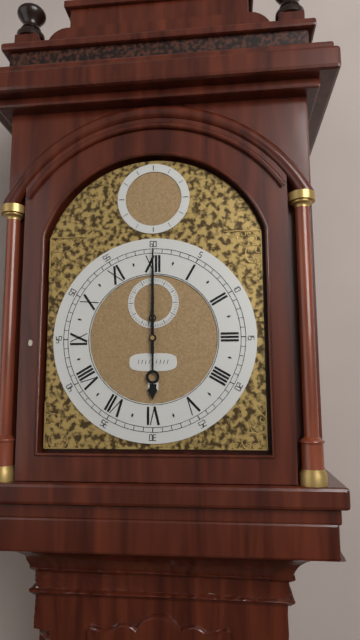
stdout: 6 h 00 min
